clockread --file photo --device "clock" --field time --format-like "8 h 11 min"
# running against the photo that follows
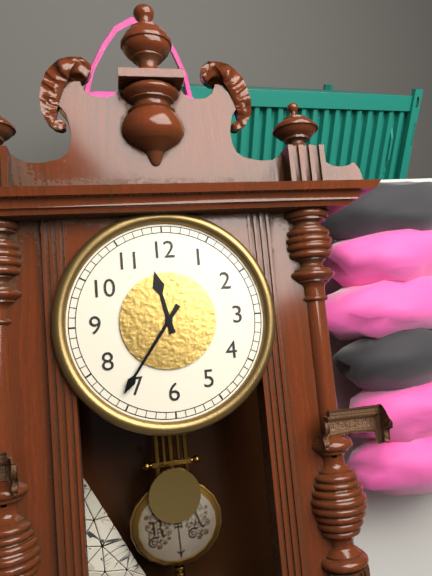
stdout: 11 h 36 min
